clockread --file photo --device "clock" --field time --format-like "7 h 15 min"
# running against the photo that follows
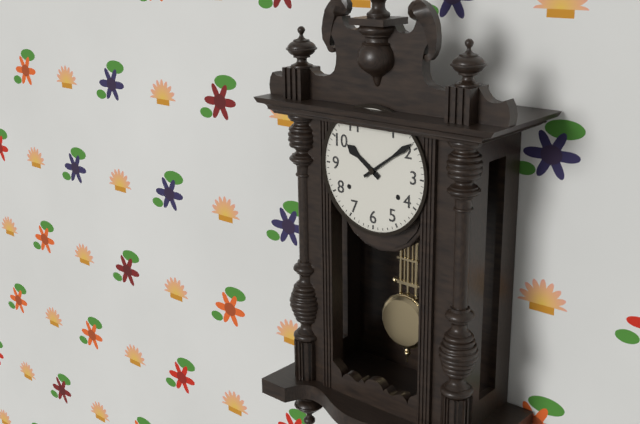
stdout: 10 h 09 min
